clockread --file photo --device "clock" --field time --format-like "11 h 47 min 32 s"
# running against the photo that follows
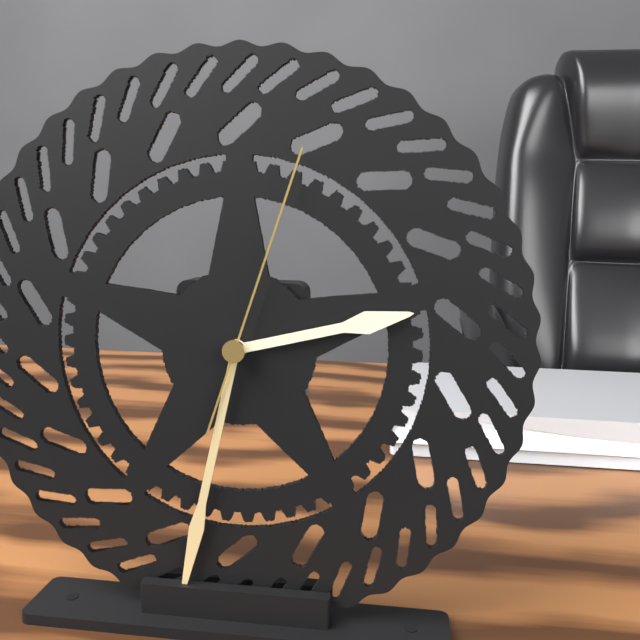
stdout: 2 h 32 min 03 s
